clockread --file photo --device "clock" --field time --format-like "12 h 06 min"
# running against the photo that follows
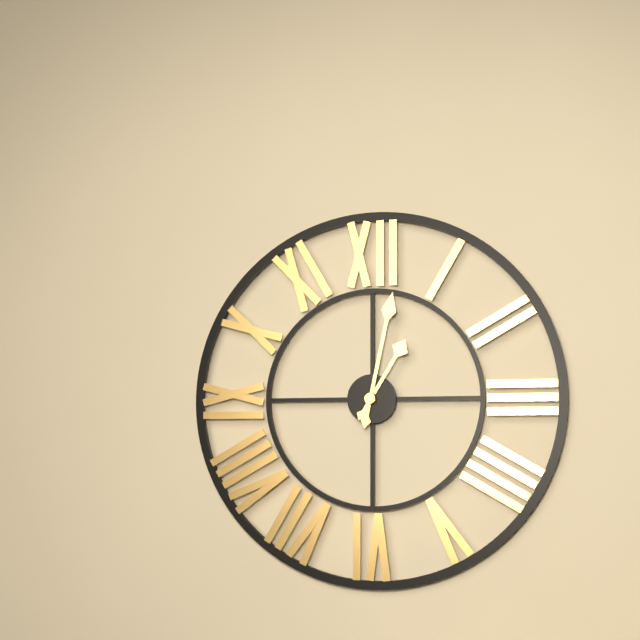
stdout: 1 h 02 min
